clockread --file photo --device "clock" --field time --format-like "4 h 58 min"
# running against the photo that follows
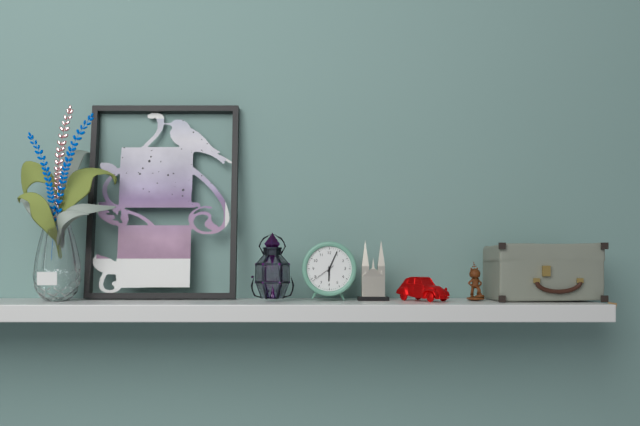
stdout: 6 h 04 min
